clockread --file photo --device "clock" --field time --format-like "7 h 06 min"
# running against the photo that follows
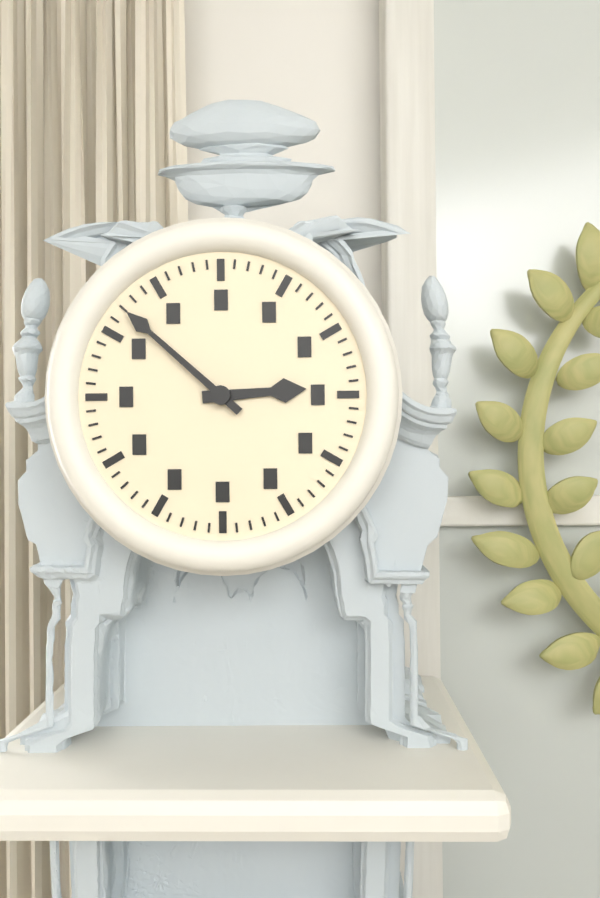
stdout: 2 h 52 min
